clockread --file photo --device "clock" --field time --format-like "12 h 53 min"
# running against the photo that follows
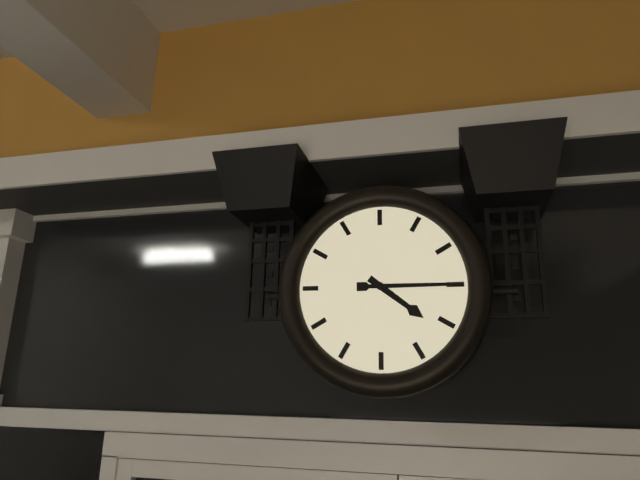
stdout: 4 h 15 min
